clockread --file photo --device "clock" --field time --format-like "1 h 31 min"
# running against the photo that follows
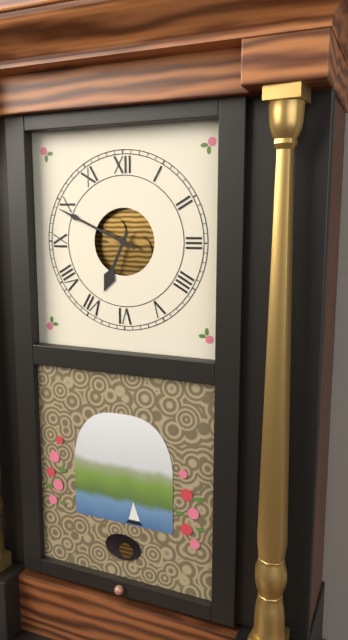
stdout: 6 h 49 min
